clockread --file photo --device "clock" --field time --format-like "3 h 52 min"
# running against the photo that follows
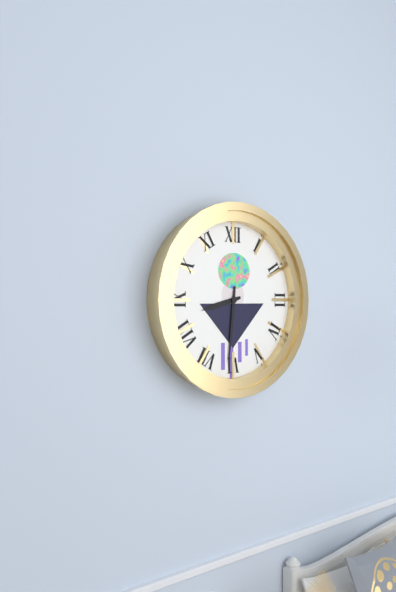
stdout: 8 h 31 min
